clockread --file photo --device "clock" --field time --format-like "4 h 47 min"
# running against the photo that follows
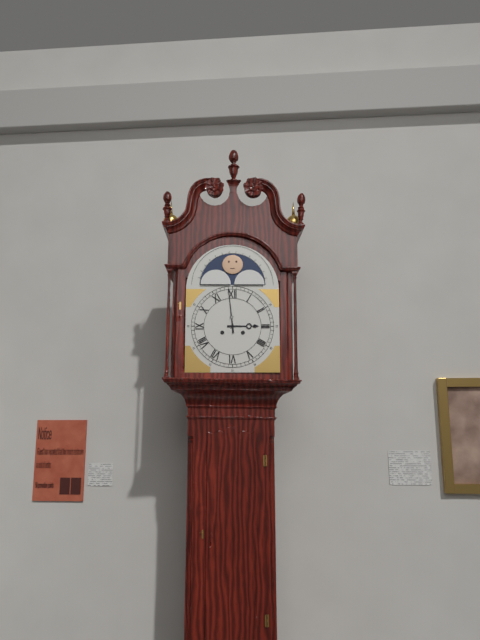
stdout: 2 h 59 min
